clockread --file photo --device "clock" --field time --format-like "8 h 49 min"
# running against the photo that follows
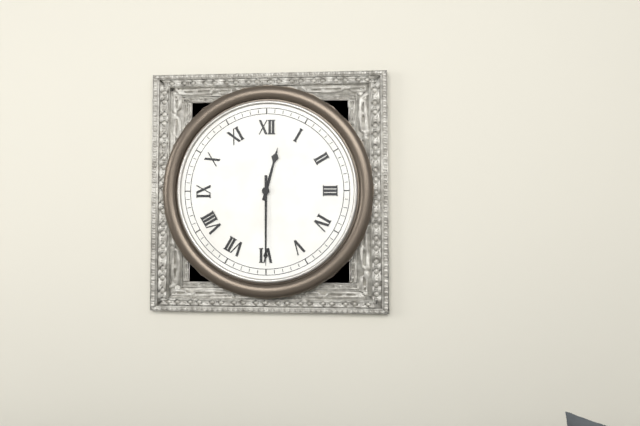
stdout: 12 h 30 min
